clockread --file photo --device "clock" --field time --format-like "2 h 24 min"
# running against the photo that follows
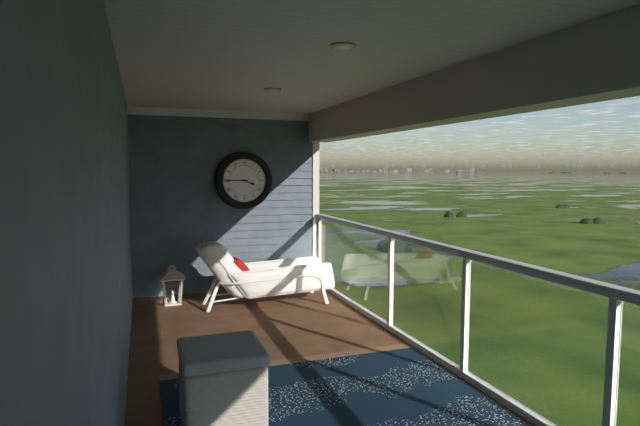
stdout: 3 h 45 min
